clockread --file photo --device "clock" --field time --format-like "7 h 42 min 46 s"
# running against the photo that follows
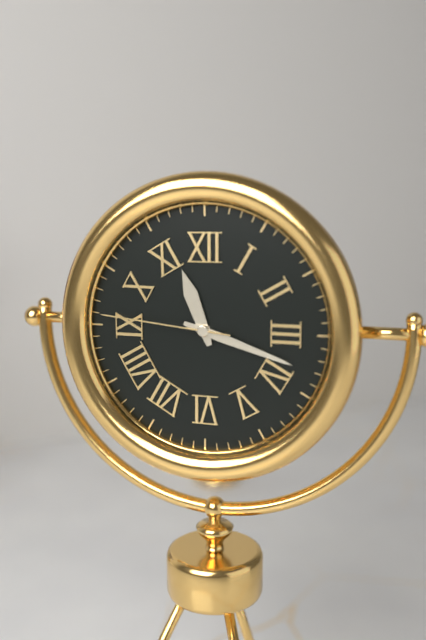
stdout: 11 h 18 min 46 s
